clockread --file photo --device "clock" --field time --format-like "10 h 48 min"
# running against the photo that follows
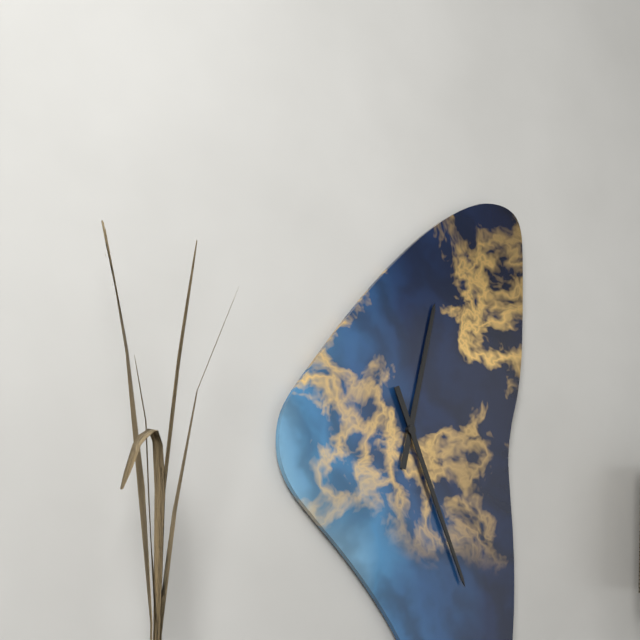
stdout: 12 h 26 min
